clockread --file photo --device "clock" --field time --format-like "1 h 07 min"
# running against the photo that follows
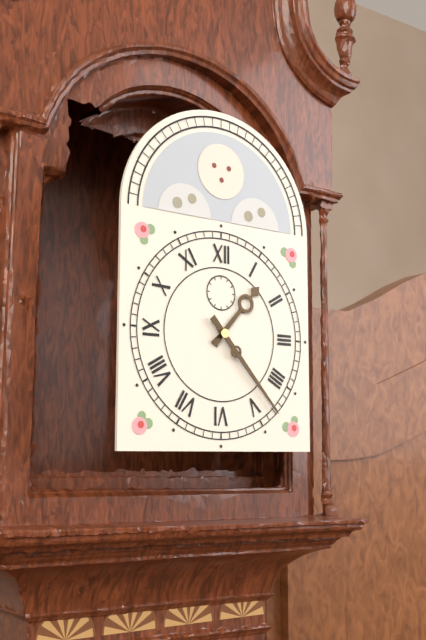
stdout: 1 h 23 min
